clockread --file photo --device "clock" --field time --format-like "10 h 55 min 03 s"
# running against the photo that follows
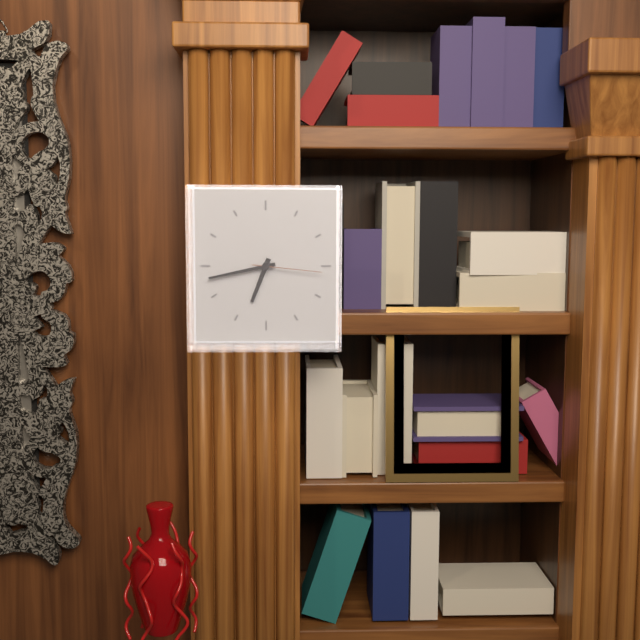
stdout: 6 h 43 min 16 s
